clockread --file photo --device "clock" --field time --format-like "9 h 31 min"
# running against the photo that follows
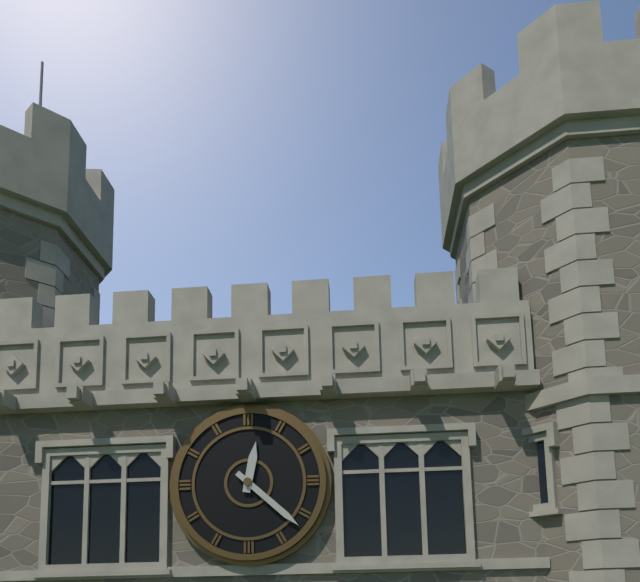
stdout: 12 h 22 min
